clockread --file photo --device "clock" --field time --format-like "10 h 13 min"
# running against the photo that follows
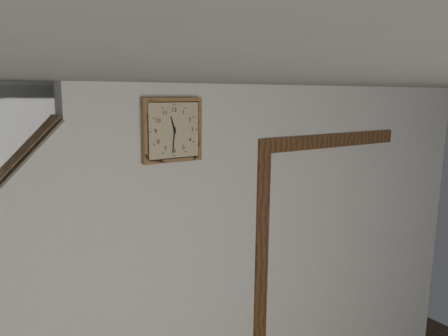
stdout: 11 h 31 min
